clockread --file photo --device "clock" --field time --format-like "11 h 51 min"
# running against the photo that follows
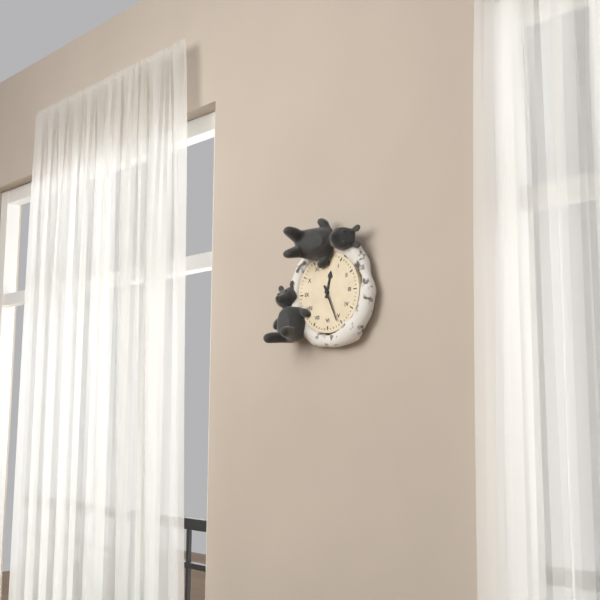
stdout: 12 h 26 min
